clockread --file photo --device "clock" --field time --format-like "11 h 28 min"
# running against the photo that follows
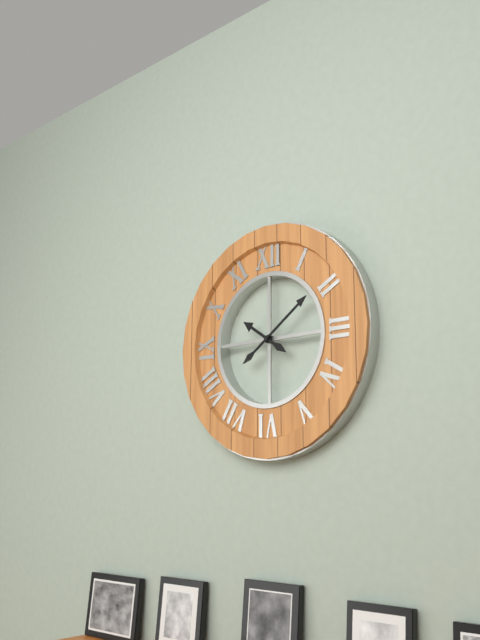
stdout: 10 h 09 min
